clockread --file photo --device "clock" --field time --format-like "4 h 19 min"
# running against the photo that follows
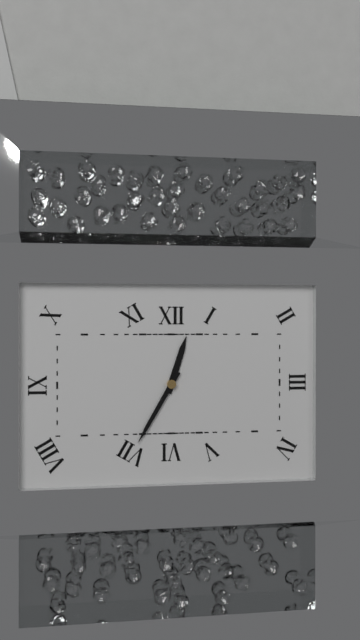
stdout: 12 h 35 min
